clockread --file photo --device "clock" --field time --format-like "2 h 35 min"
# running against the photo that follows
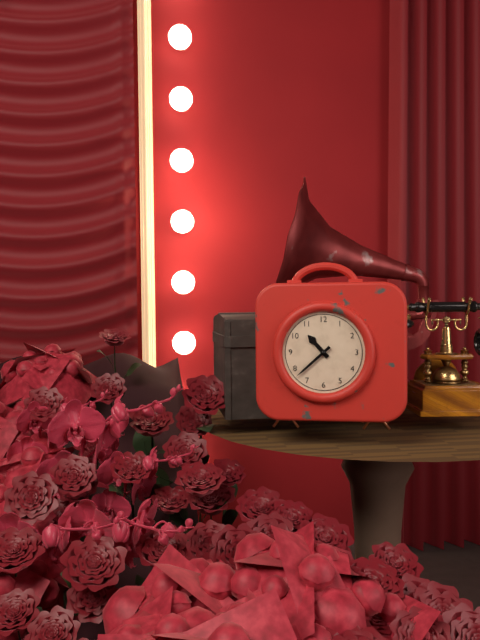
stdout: 10 h 38 min
